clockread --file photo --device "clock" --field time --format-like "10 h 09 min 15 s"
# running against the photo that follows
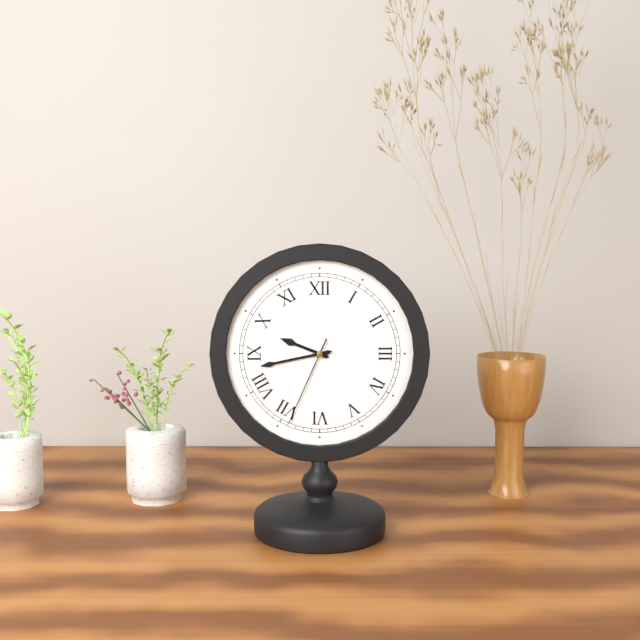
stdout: 9 h 43 min 34 s
